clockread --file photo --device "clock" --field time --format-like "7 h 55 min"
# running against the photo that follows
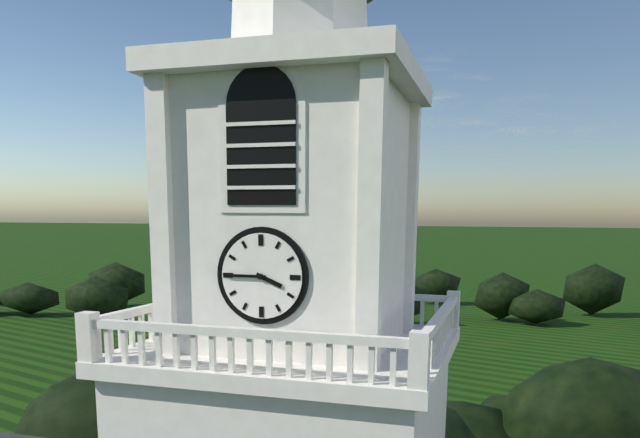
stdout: 3 h 45 min
